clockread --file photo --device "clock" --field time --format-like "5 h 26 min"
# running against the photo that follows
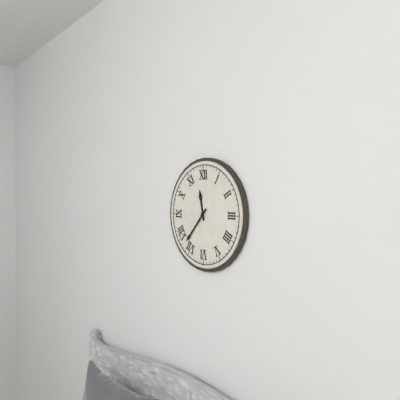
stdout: 11 h 37 min
